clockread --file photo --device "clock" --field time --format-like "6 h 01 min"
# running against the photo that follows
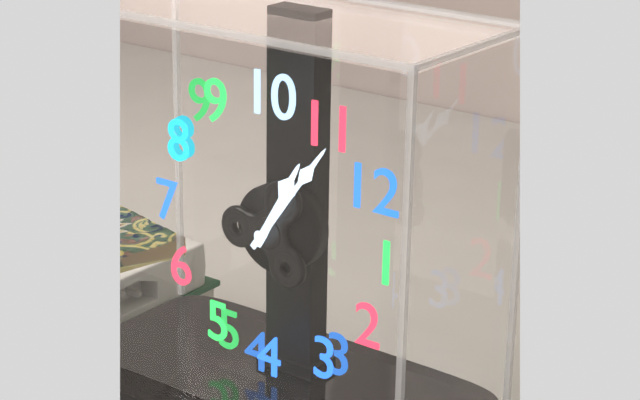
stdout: 10 h 56 min
